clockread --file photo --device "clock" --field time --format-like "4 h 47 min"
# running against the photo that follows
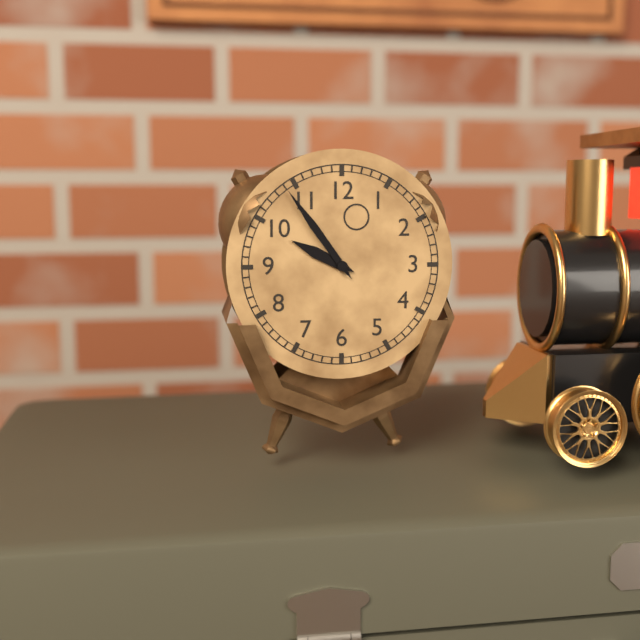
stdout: 9 h 54 min
